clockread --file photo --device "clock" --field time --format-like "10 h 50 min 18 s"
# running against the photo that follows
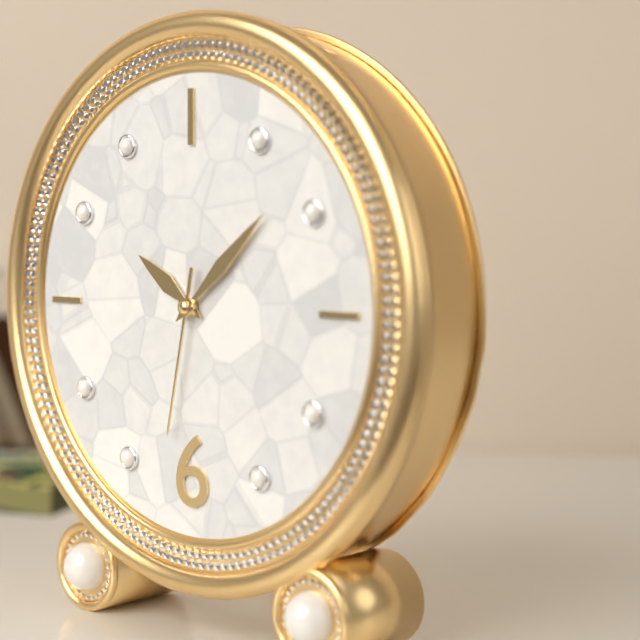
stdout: 10 h 08 min 32 s
